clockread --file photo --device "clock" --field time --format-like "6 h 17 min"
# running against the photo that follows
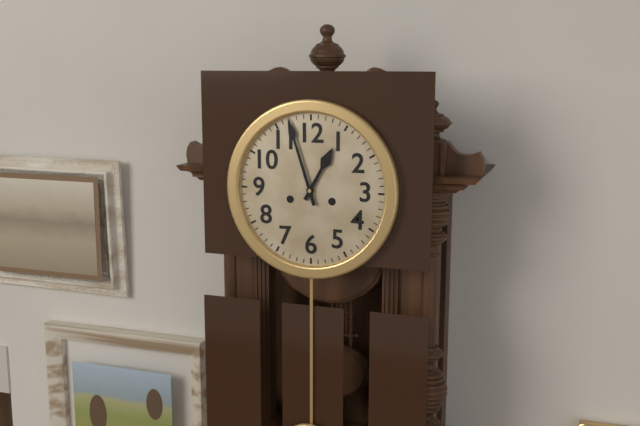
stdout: 12 h 57 min
